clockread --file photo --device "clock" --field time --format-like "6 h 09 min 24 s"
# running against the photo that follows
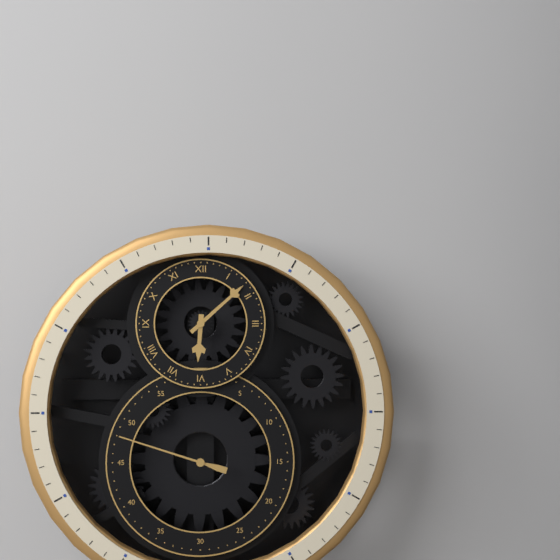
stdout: 6 h 08 min 48 s
